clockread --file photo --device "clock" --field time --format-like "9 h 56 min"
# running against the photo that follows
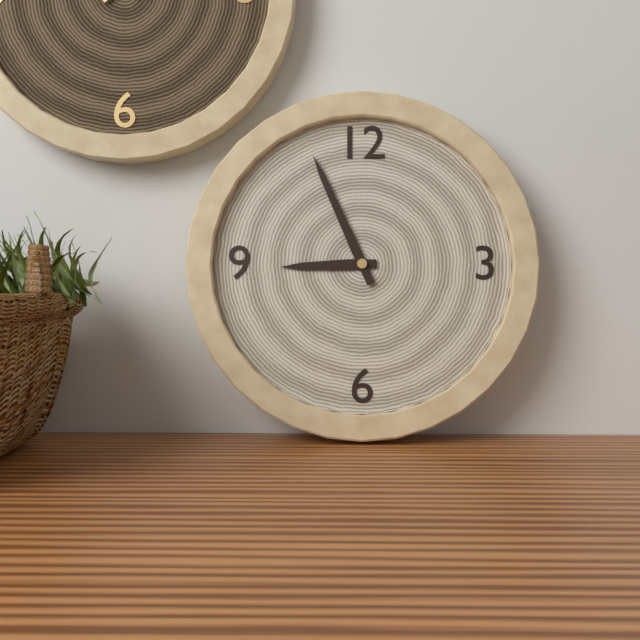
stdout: 8 h 56 min
